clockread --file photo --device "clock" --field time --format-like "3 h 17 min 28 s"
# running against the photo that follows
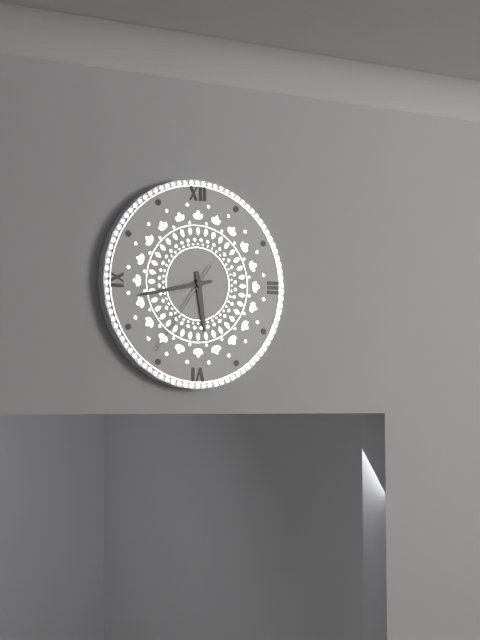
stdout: 5 h 43 min 36 s
